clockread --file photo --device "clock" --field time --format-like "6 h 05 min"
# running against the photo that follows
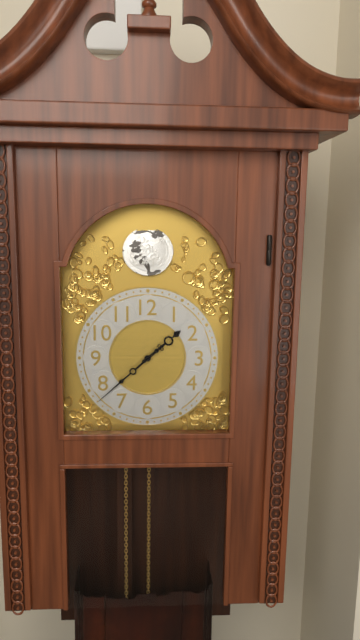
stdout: 1 h 38 min
